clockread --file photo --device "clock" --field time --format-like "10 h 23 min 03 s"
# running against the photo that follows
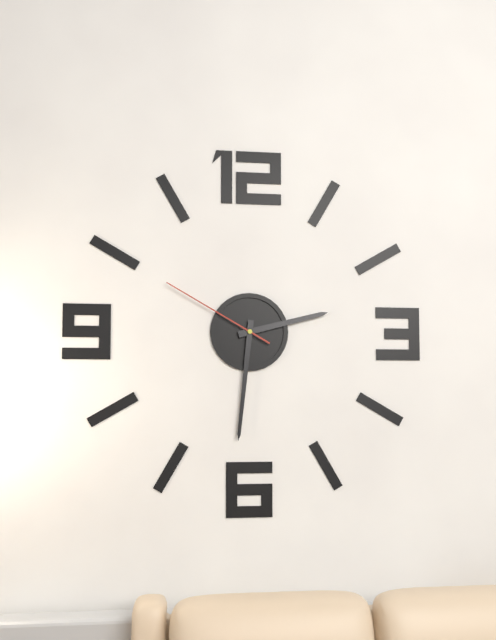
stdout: 2 h 31 min 50 s
